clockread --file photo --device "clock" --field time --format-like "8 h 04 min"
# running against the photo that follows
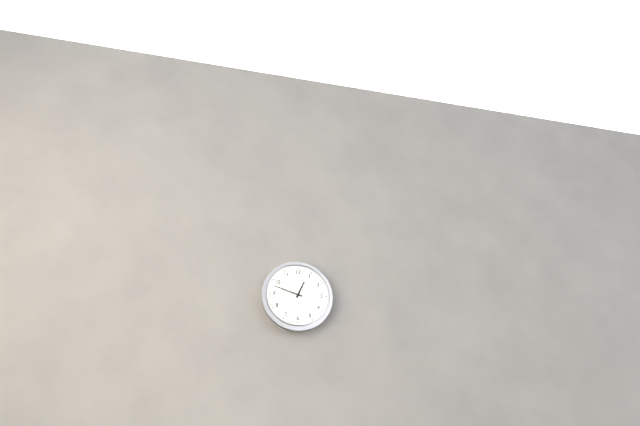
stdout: 12 h 48 min
